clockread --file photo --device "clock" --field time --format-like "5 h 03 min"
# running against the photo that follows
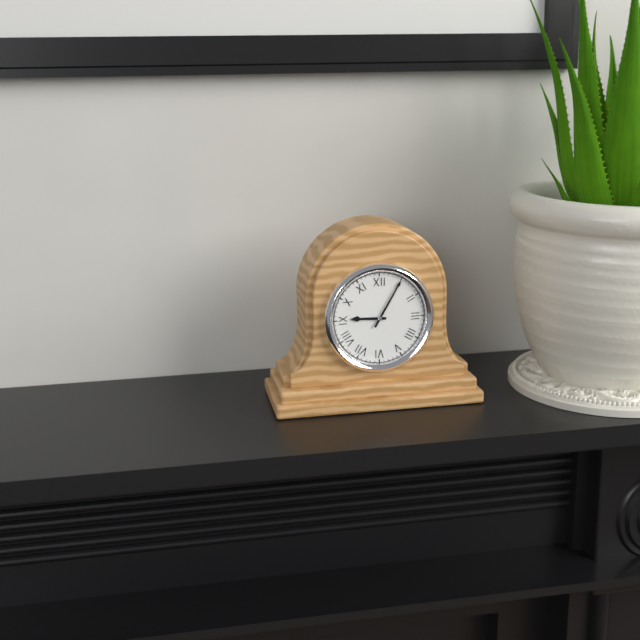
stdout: 9 h 05 min
